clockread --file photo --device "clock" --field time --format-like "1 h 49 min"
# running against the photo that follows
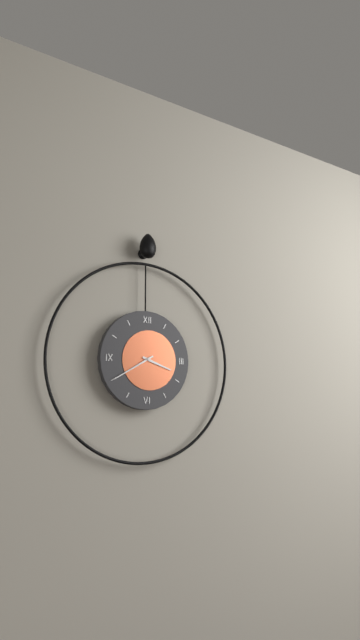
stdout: 3 h 40 min
